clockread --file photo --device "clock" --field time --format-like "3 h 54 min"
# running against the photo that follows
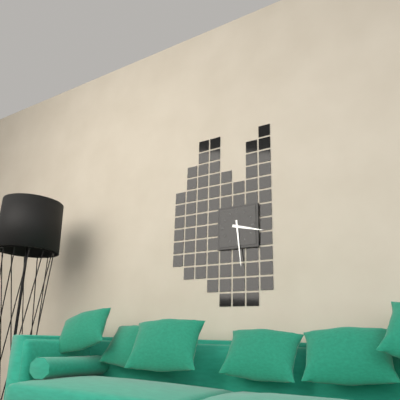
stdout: 3 h 29 min
